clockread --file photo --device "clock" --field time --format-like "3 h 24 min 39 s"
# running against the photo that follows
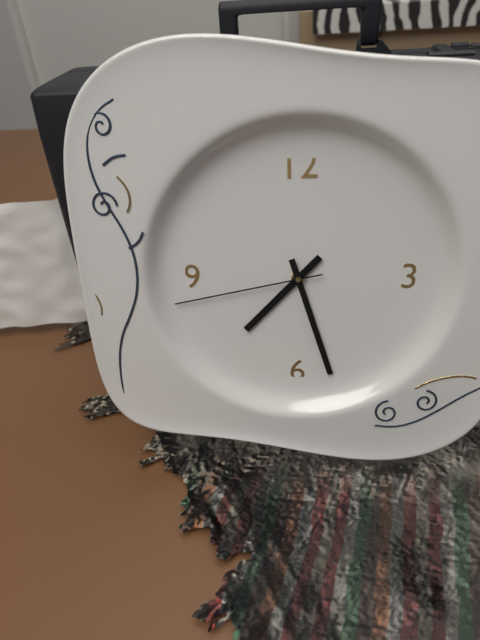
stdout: 7 h 27 min 43 s
